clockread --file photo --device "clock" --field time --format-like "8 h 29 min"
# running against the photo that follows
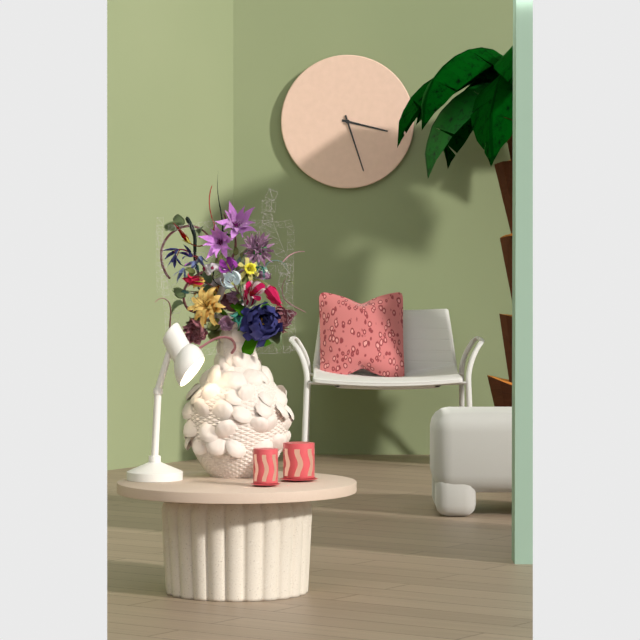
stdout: 3 h 27 min
